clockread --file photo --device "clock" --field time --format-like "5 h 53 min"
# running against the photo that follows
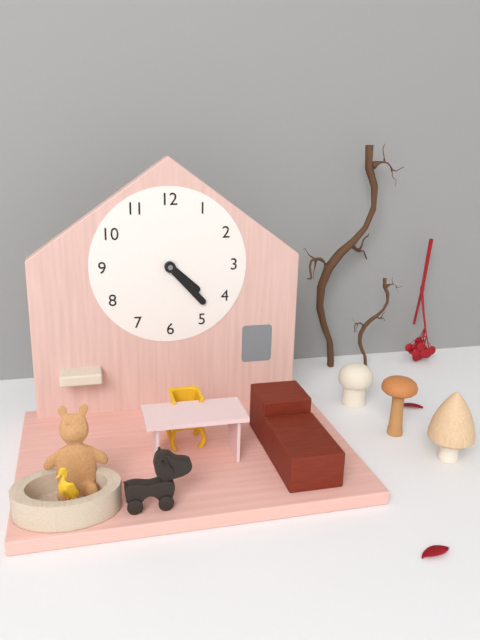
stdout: 4 h 23 min
